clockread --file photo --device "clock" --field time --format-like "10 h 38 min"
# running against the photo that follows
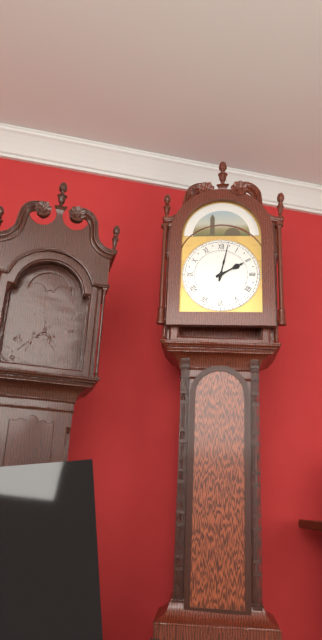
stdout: 2 h 02 min
